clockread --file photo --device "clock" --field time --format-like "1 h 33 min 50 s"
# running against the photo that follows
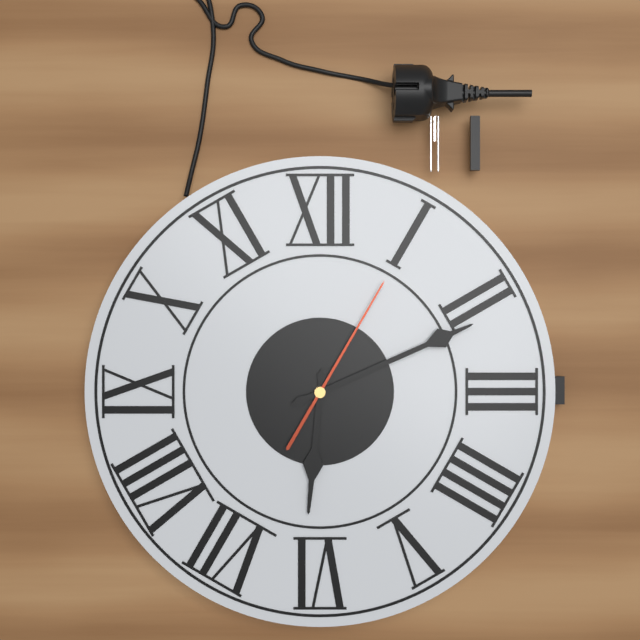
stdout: 6 h 11 min 05 s
